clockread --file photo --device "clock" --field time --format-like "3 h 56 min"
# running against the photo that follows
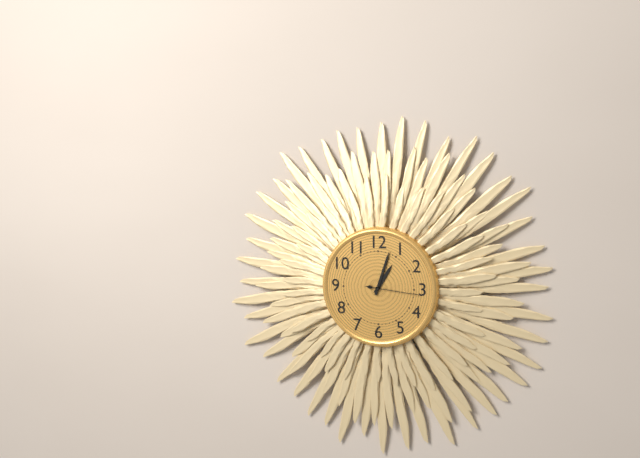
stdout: 1 h 03 min
